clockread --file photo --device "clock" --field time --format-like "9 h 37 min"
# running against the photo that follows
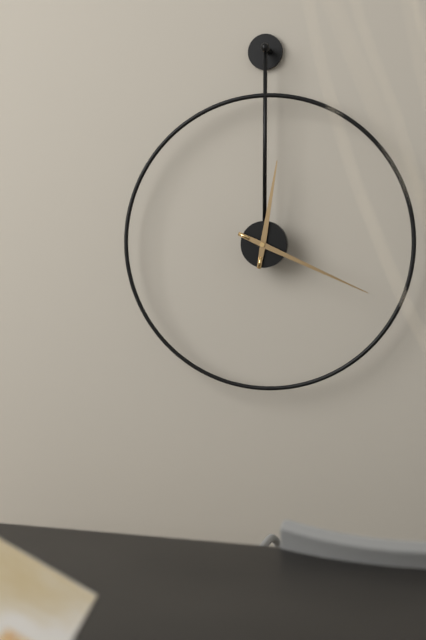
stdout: 12 h 19 min
